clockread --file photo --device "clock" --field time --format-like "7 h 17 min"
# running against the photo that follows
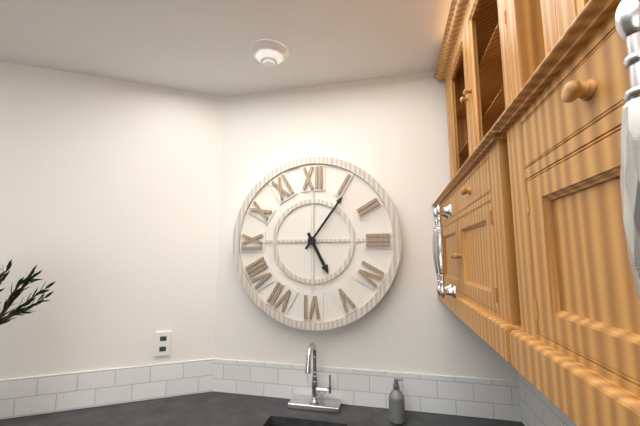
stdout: 5 h 06 min
